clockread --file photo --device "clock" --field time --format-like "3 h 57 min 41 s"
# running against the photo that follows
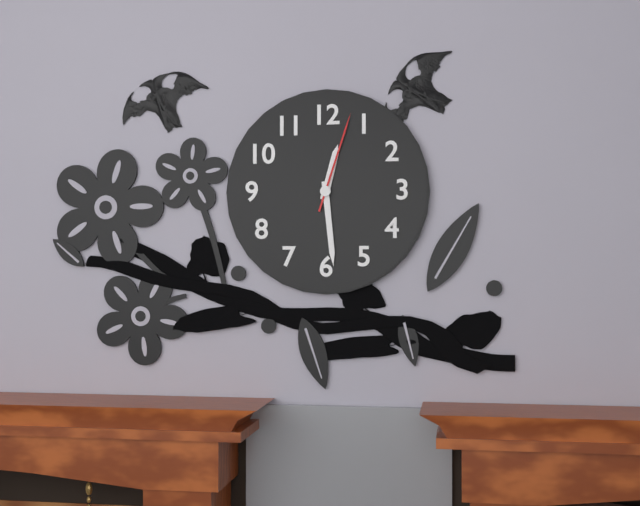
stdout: 12 h 29 min 03 s
